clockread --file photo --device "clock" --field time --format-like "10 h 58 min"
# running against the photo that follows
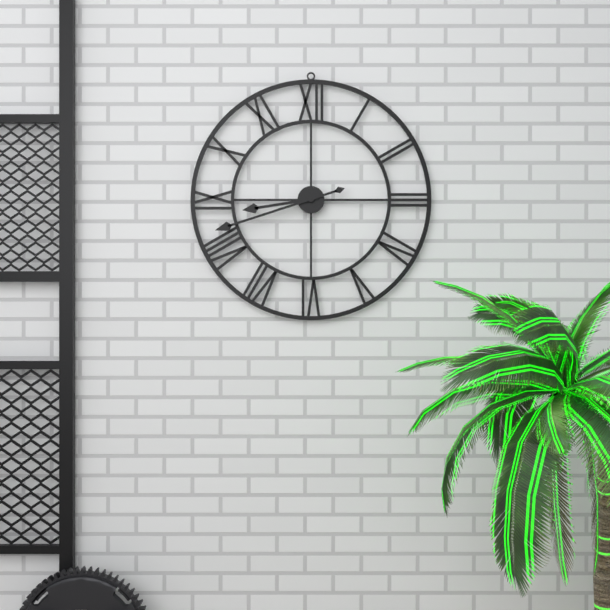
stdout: 8 h 42 min
